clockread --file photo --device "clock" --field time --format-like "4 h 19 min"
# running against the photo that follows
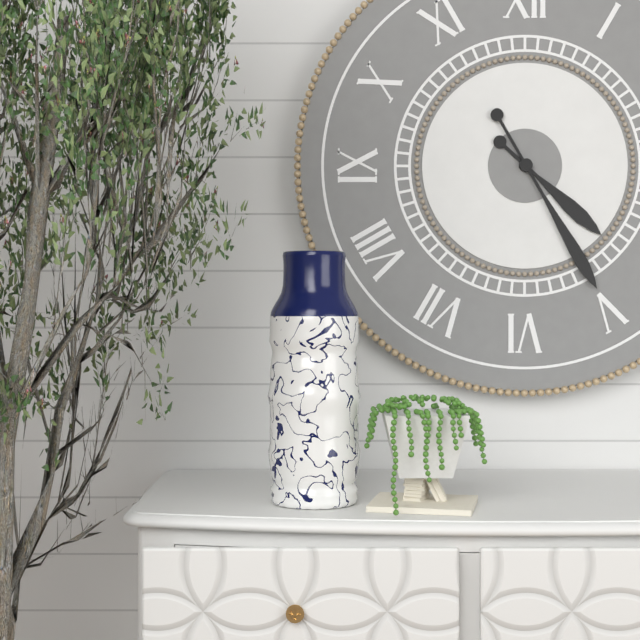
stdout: 4 h 25 min
